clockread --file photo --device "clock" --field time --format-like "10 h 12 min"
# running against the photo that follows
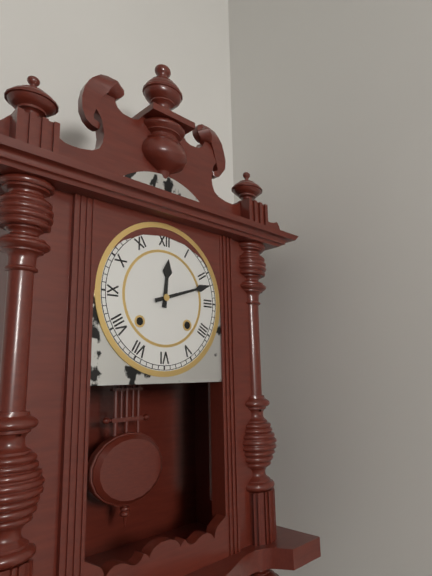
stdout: 12 h 12 min
